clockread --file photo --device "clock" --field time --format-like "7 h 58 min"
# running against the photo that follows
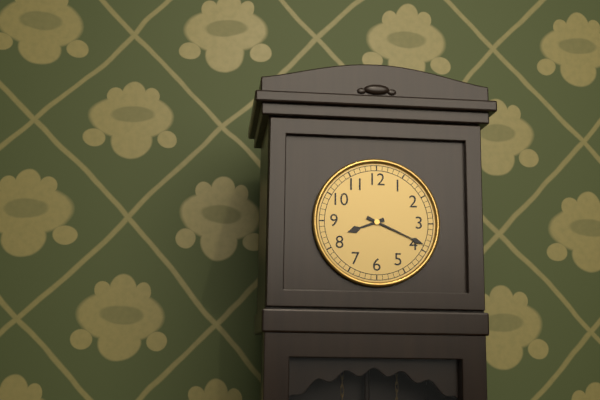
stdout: 8 h 19 min
